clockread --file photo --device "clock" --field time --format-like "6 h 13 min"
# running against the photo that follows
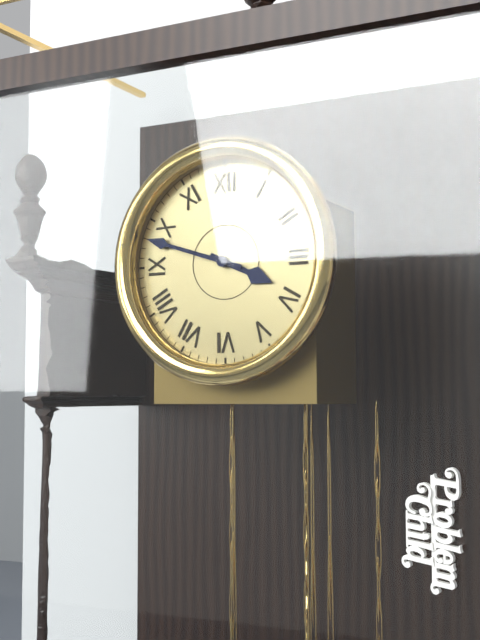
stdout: 3 h 48 min
